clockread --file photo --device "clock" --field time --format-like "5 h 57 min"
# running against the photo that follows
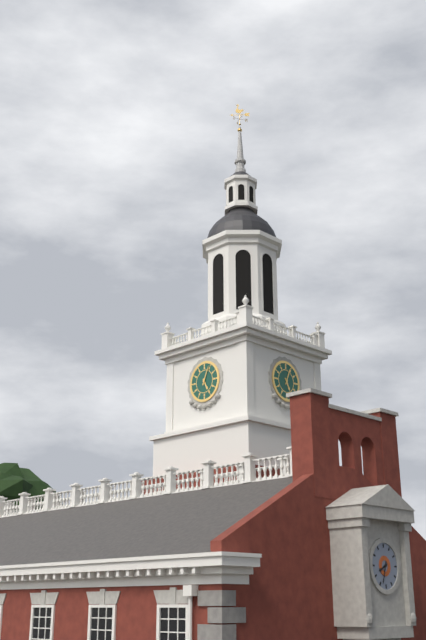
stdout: 5 h 04 min
